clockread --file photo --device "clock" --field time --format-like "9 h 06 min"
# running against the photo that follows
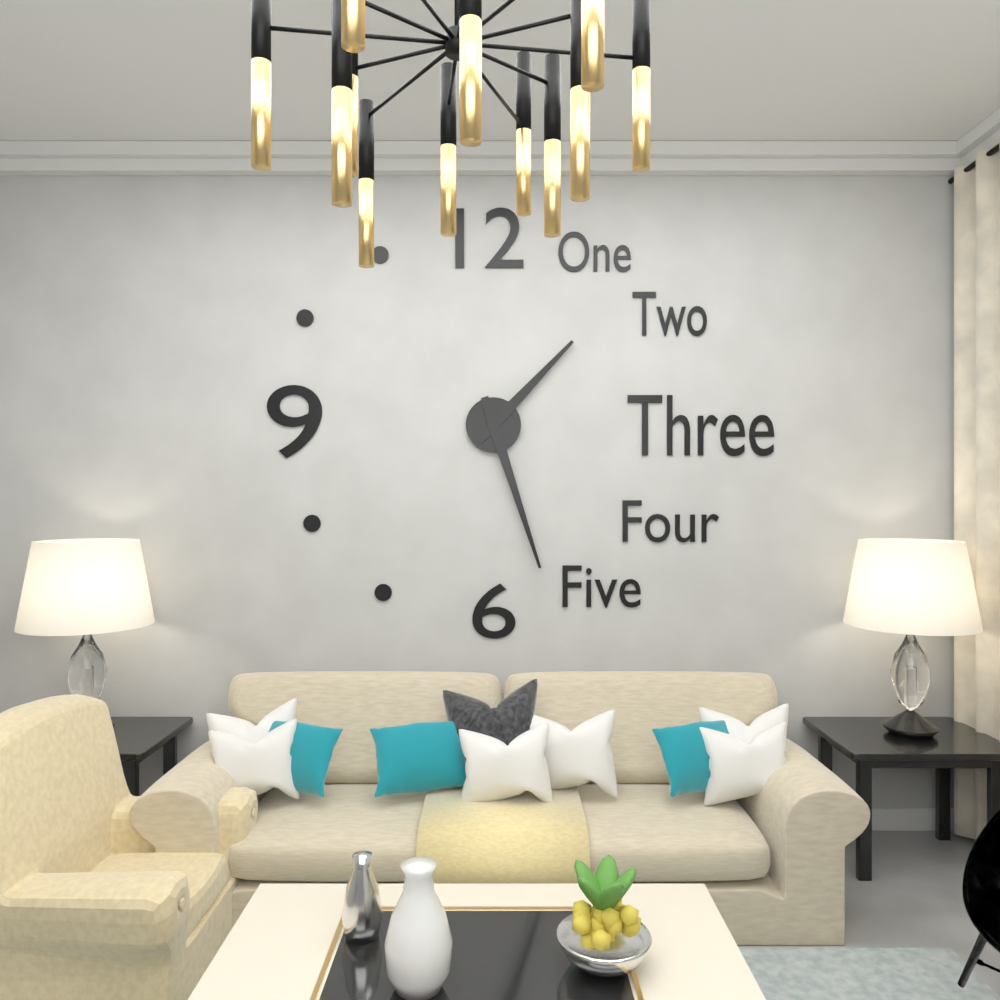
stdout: 1 h 27 min
